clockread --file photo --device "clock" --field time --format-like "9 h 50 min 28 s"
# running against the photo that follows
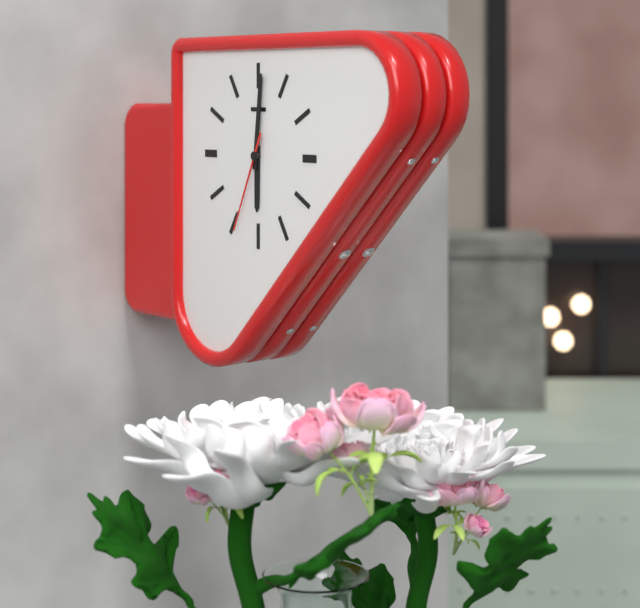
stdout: 6 h 01 min 34 s
